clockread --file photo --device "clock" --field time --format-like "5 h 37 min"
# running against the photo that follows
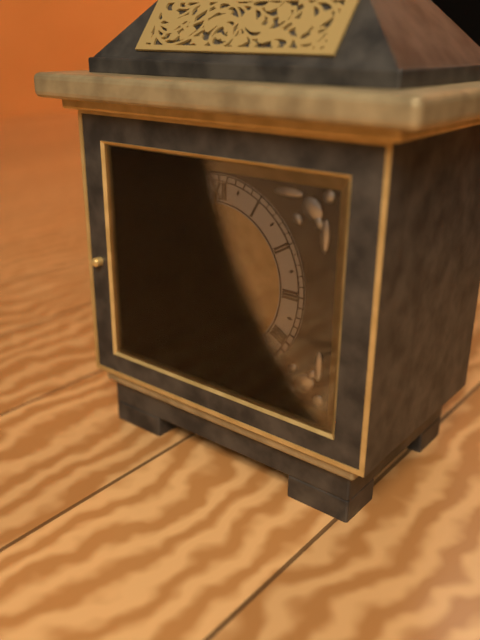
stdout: 10 h 00 min
